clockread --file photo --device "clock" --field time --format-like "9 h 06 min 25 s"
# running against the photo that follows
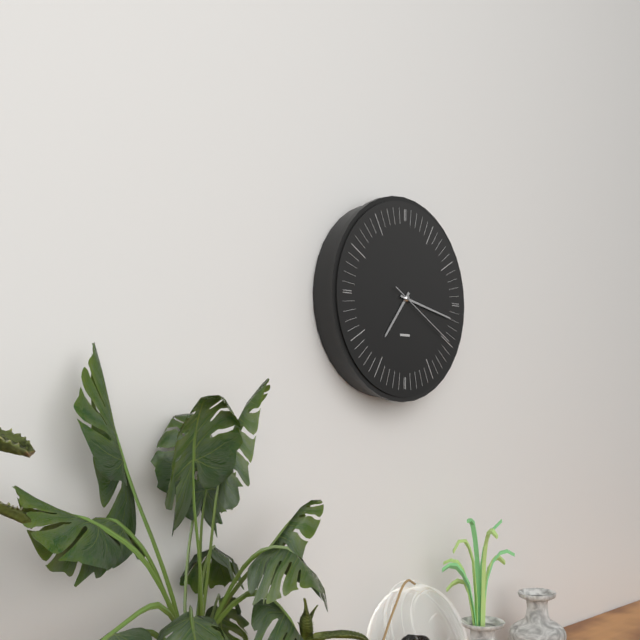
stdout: 7 h 17 min 20 s
